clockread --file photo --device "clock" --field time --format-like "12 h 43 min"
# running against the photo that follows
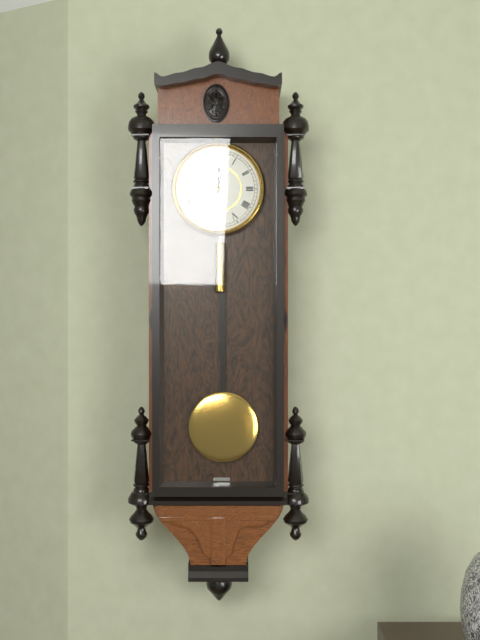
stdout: 12 h 02 min
